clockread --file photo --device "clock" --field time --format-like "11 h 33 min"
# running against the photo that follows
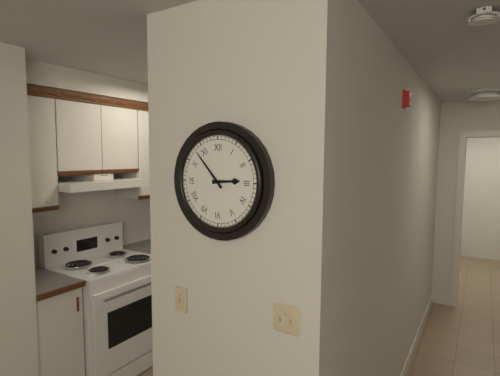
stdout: 2 h 53 min
